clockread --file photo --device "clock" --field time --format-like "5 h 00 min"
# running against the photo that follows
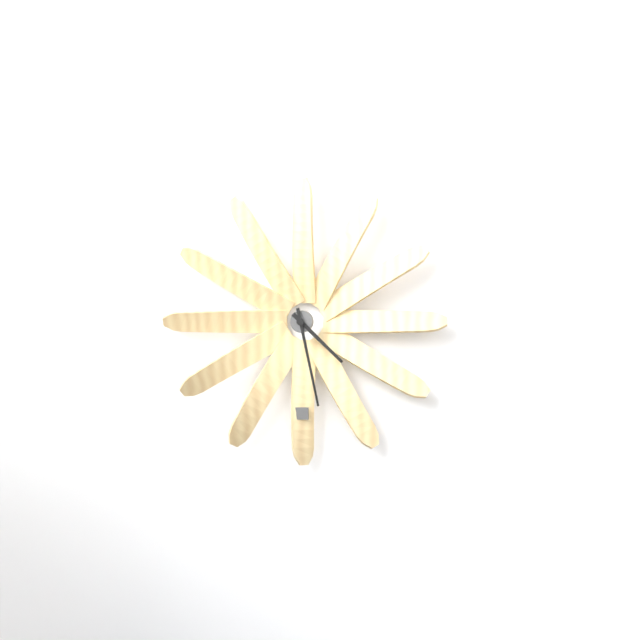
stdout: 4 h 28 min
